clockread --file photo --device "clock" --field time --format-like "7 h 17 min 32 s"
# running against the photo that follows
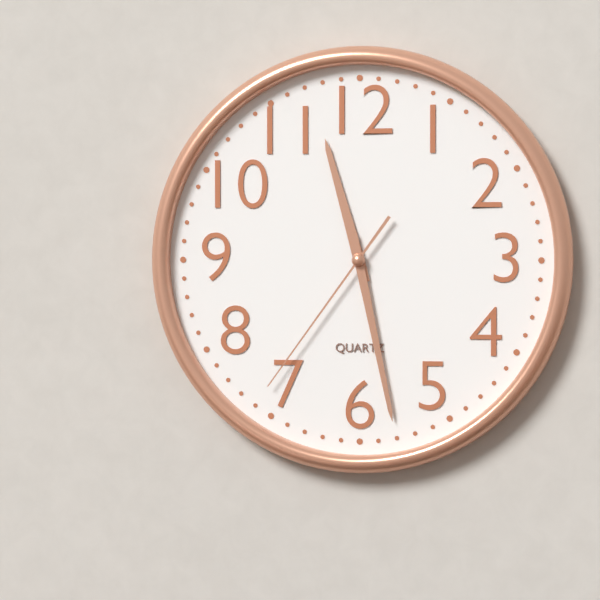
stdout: 11 h 28 min 36 s
